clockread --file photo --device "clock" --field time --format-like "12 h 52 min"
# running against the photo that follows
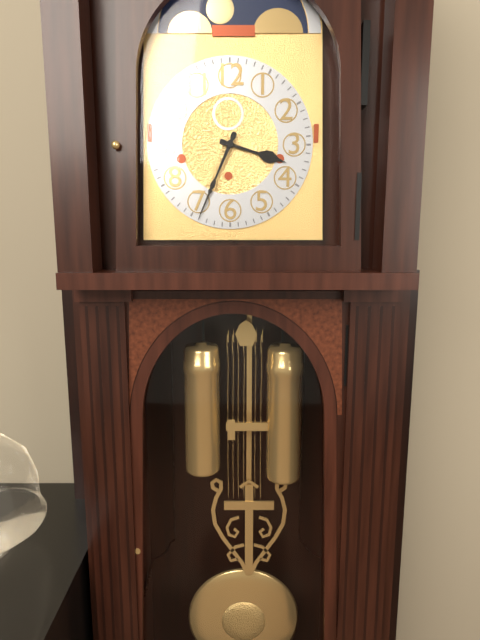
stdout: 3 h 34 min
